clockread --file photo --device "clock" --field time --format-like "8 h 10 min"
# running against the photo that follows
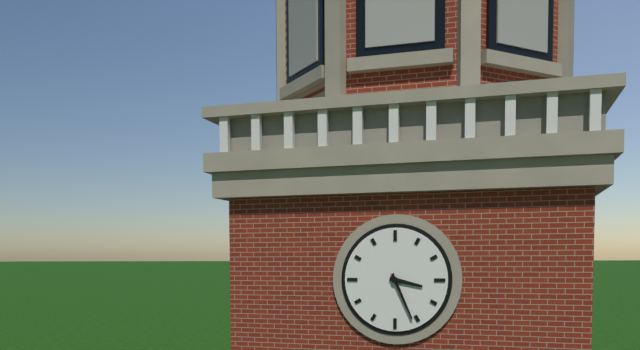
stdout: 3 h 26 min
